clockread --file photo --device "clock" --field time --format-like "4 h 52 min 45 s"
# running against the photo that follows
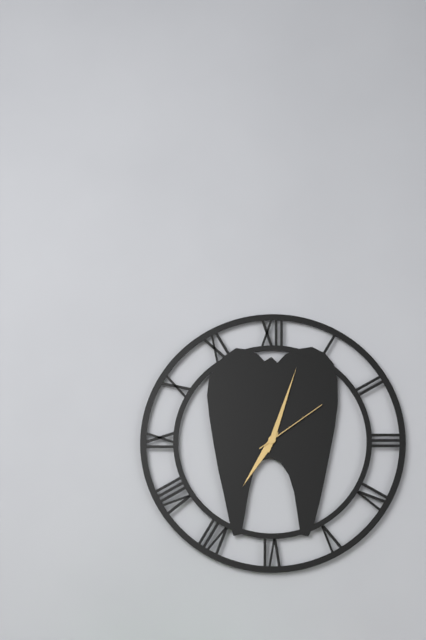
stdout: 7 h 03 min 09 s
